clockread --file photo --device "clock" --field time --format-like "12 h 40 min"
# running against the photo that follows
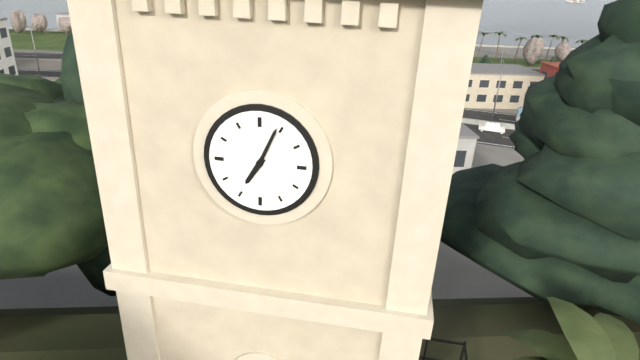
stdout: 7 h 04 min
